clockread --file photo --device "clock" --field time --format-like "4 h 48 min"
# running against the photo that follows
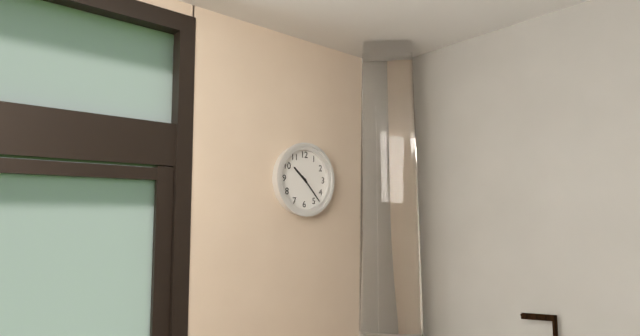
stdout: 10 h 23 min
